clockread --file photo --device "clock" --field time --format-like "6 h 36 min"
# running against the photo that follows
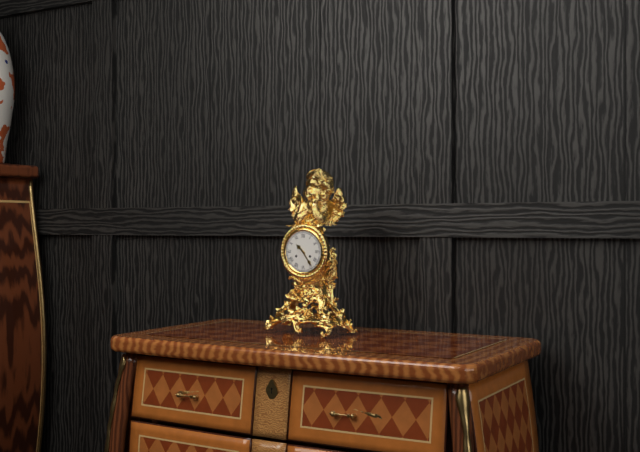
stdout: 10 h 24 min
